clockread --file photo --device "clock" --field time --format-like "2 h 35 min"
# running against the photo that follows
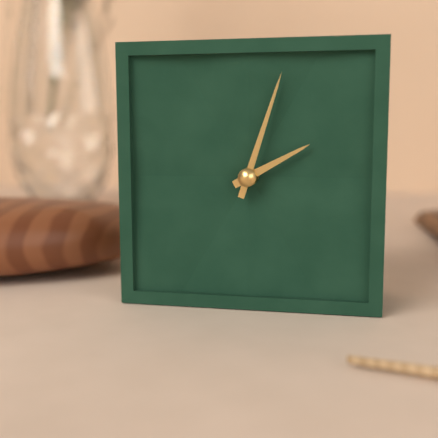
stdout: 2 h 03 min
